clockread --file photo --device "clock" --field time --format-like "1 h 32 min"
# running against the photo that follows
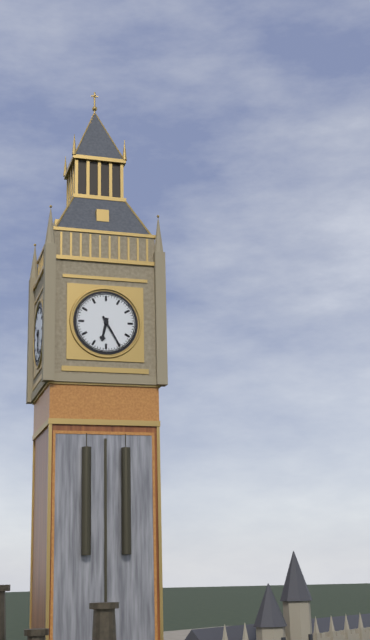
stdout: 6 h 25 min
